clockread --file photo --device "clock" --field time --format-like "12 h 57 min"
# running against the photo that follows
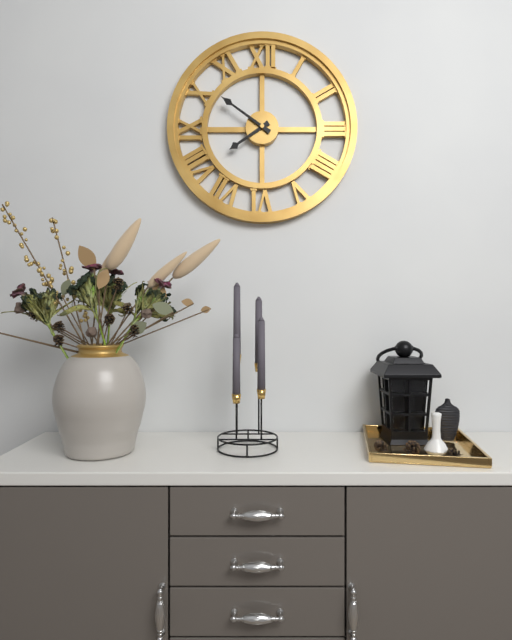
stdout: 7 h 51 min
